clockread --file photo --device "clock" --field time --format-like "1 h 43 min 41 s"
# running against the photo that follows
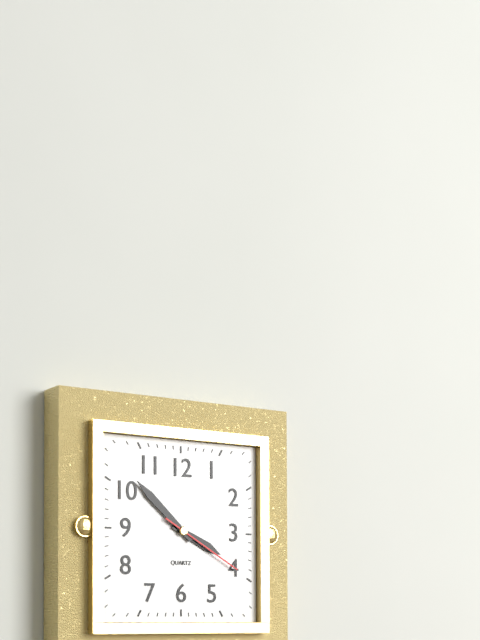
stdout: 3 h 52 min 20 s
